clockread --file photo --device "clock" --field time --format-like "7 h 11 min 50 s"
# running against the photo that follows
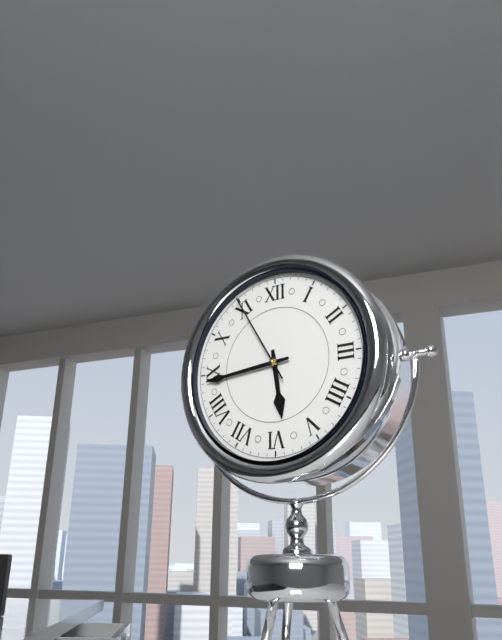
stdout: 5 h 44 min 55 s
